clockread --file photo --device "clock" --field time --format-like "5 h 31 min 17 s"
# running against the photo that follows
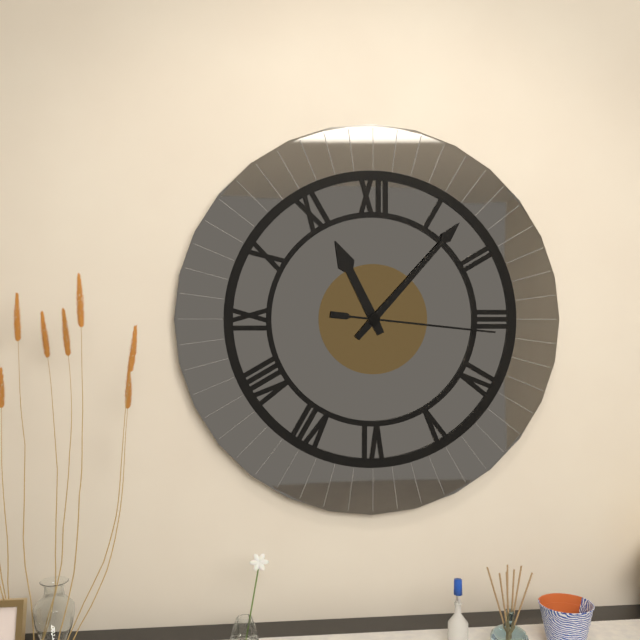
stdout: 11 h 07 min 16 s
